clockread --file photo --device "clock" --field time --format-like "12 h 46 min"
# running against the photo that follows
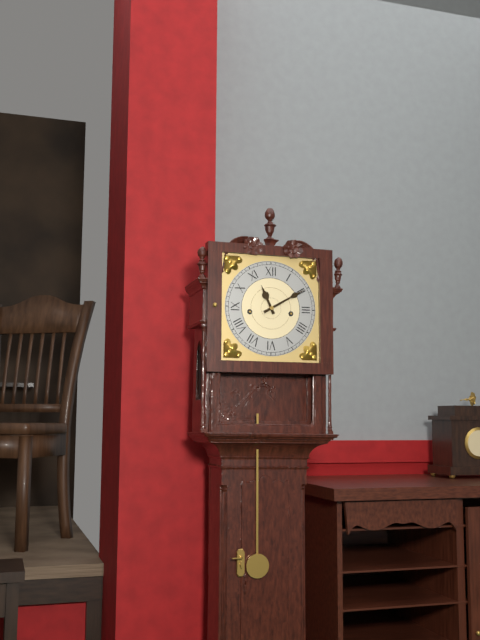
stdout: 11 h 10 min
